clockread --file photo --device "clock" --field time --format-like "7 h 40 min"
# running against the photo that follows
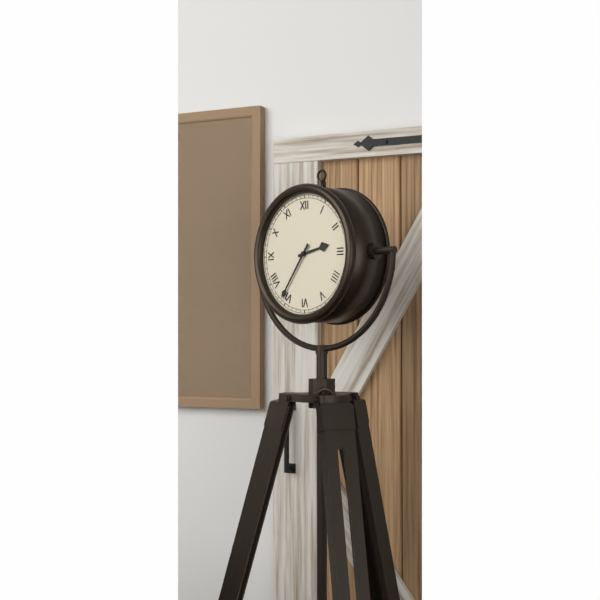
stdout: 2 h 36 min
